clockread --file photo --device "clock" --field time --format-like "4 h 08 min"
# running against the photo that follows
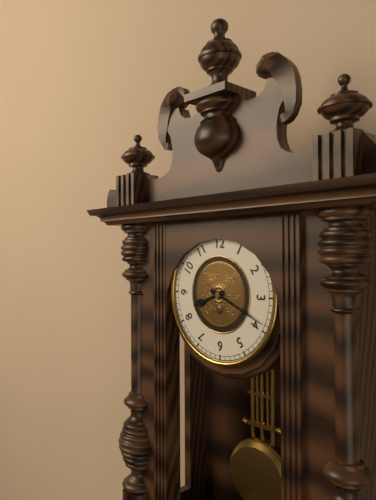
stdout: 8 h 19 min
